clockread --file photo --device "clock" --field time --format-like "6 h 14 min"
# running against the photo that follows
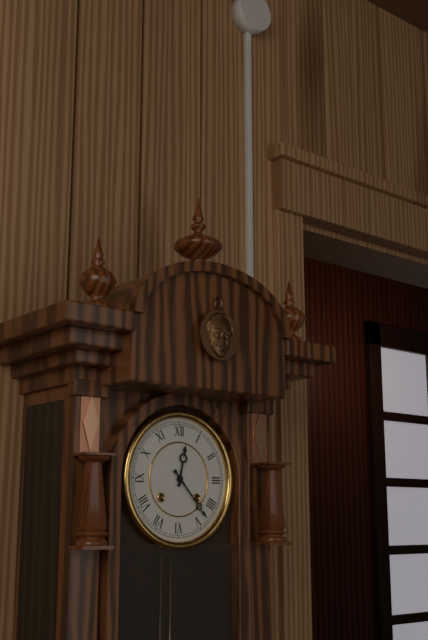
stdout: 12 h 23 min
